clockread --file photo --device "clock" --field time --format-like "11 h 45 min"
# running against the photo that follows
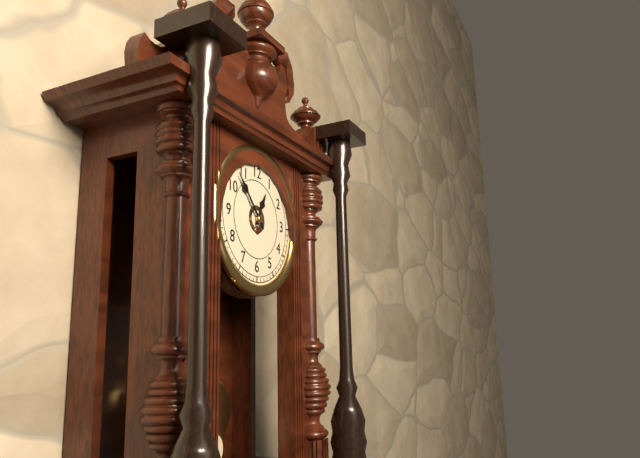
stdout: 12 h 53 min
